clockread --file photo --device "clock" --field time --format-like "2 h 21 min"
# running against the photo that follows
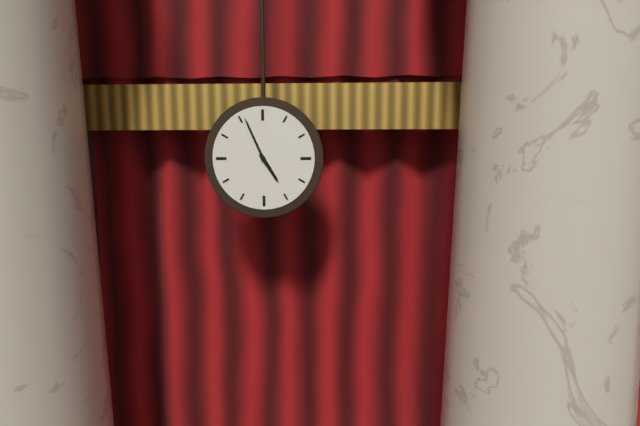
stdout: 4 h 56 min
